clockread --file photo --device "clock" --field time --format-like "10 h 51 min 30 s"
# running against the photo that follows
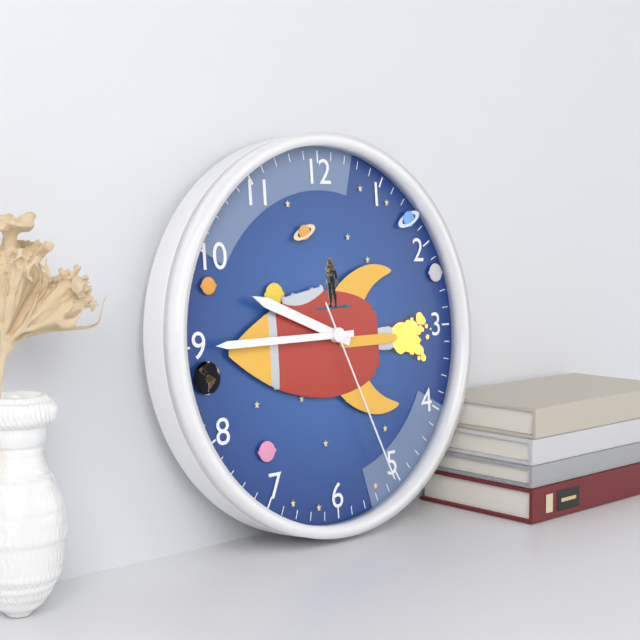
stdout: 9 h 45 min 26 s
